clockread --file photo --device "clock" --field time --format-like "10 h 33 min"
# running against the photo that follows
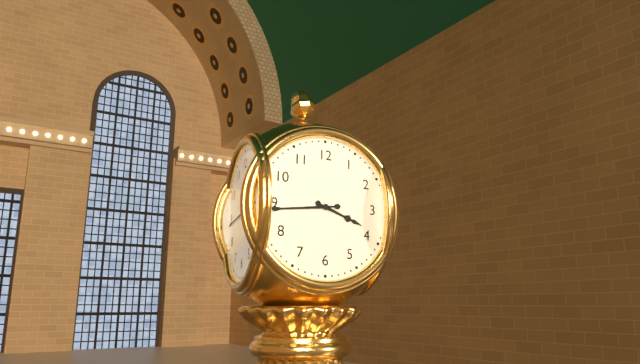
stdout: 3 h 44 min
